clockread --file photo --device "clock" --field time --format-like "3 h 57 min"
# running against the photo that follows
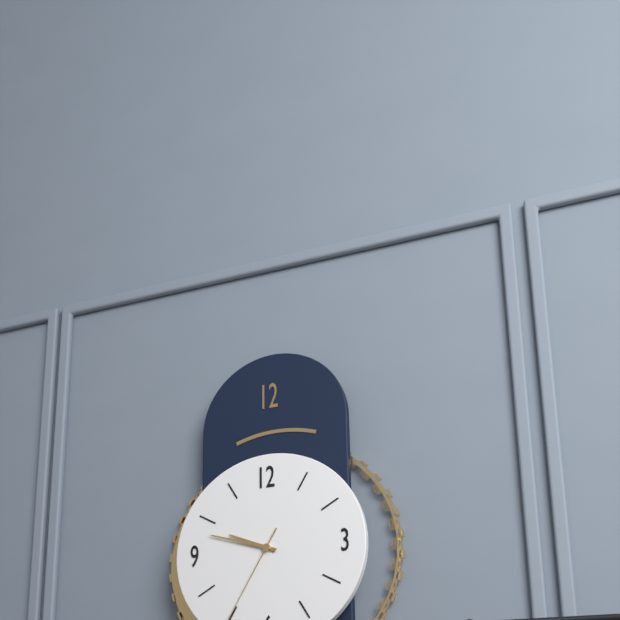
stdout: 9 h 48 min
